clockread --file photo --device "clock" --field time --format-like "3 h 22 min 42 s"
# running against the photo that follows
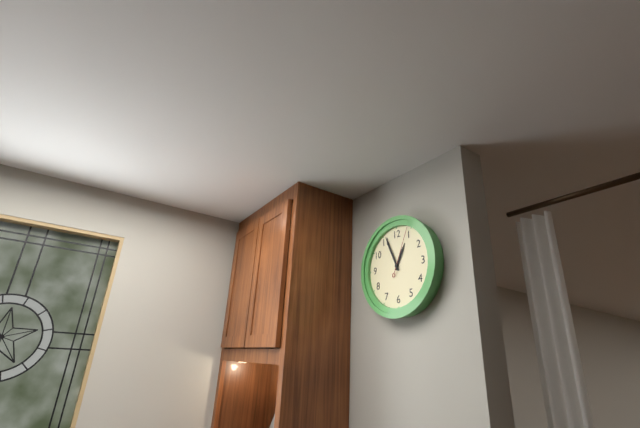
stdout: 12 h 56 min 04 s
